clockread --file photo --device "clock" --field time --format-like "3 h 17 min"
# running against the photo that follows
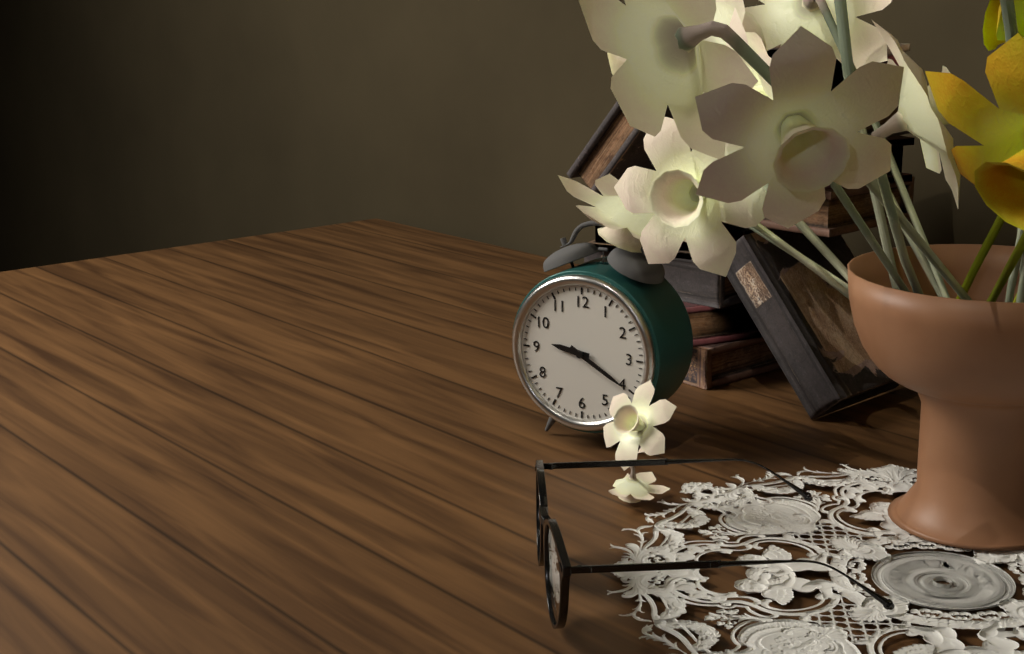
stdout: 9 h 20 min
